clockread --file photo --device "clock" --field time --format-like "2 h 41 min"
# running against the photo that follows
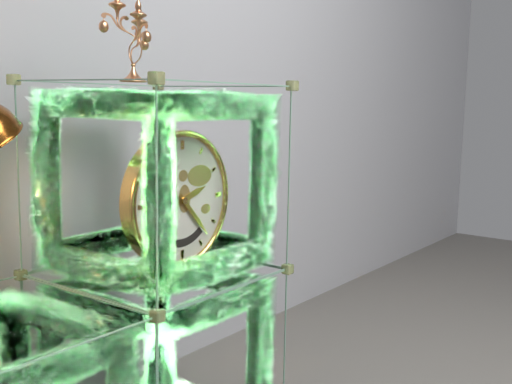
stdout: 2 h 23 min
